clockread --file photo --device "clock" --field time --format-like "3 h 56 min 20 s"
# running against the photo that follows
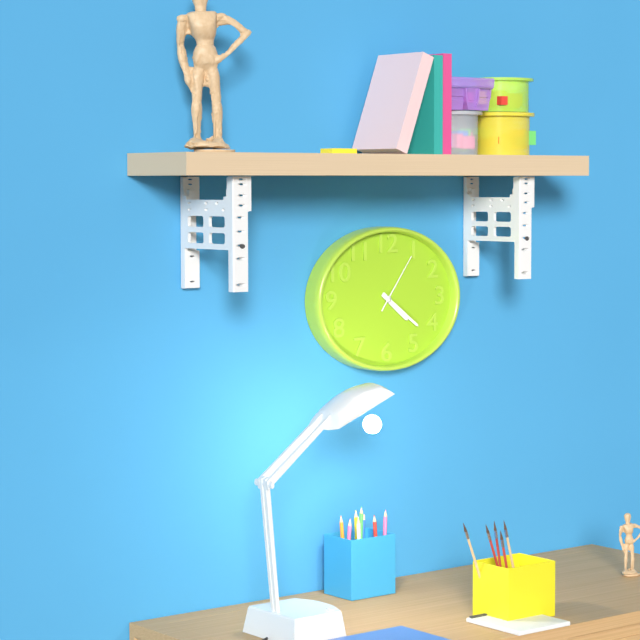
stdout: 4 h 21 min 06 s
